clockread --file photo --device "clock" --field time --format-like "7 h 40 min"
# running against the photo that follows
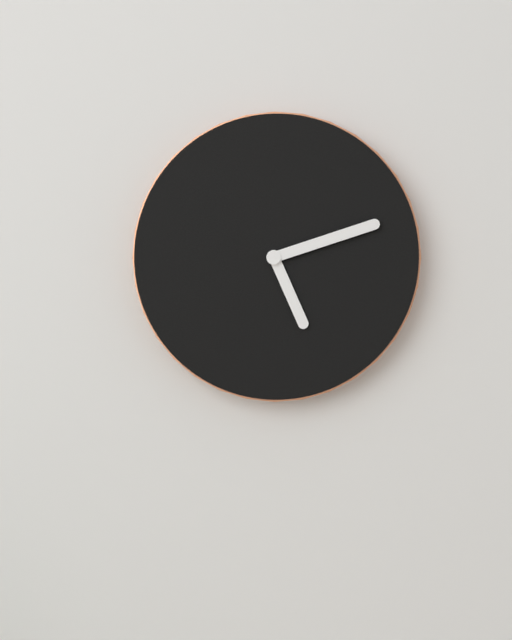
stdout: 5 h 12 min
